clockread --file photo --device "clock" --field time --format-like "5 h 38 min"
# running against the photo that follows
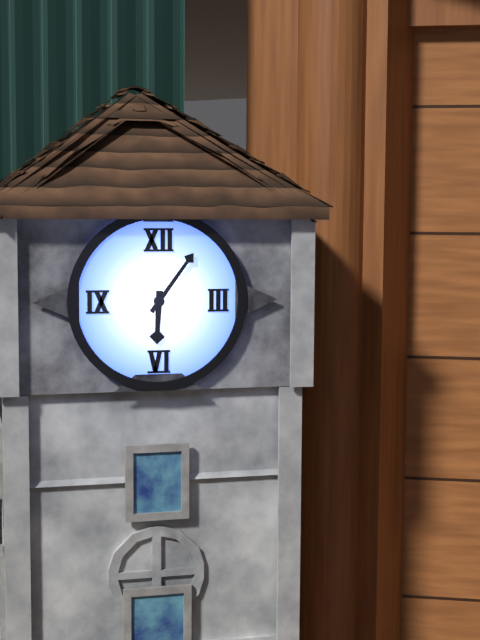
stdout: 6 h 06 min
